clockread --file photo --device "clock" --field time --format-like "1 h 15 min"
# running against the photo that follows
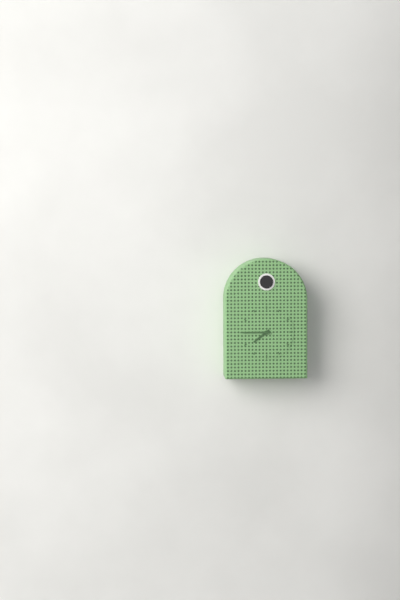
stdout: 7 h 45 min
